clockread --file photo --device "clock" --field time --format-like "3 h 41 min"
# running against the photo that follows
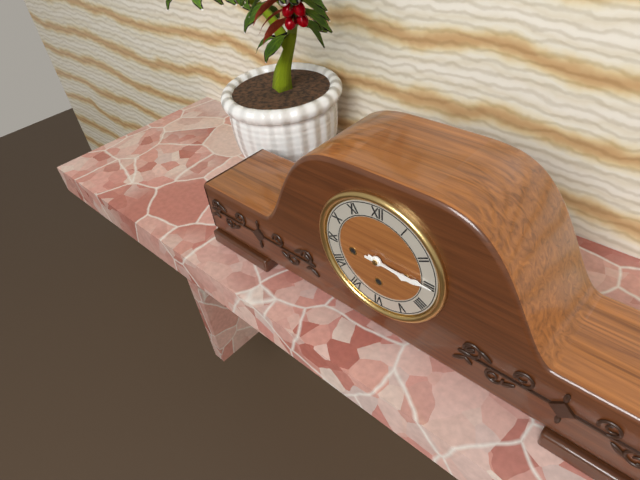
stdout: 3 h 15 min
